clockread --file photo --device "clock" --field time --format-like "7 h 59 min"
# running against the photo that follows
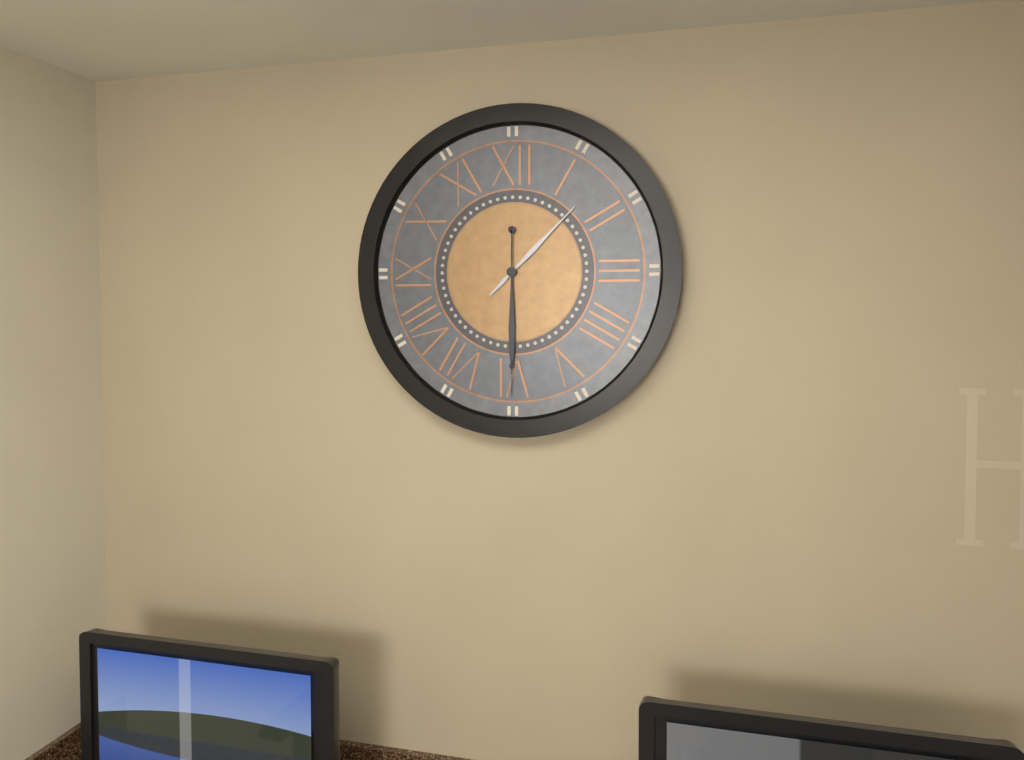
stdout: 1 h 30 min
